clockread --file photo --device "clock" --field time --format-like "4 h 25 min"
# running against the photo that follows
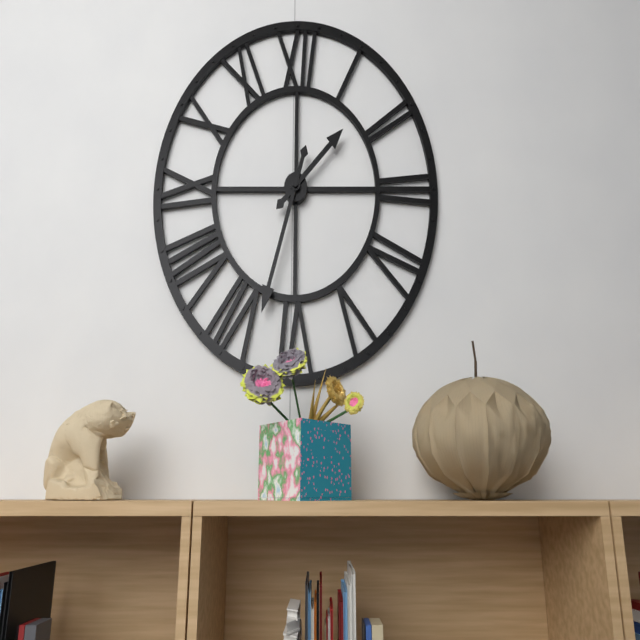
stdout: 1 h 33 min
